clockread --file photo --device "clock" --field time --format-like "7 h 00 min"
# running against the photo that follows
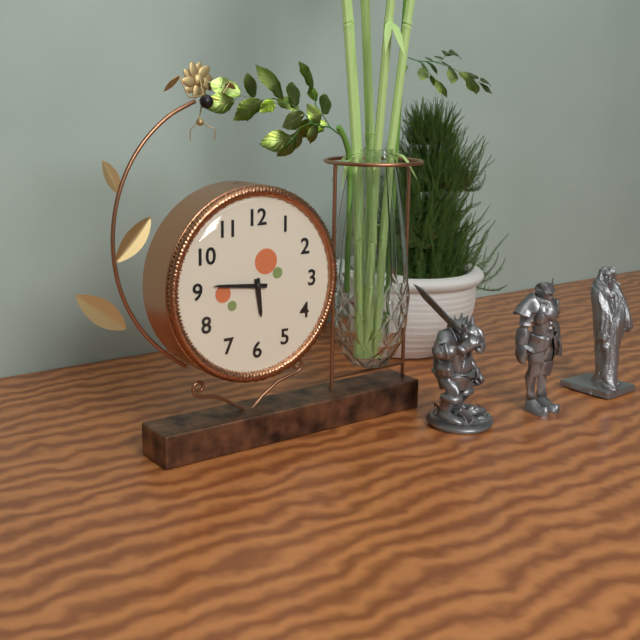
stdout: 5 h 46 min
